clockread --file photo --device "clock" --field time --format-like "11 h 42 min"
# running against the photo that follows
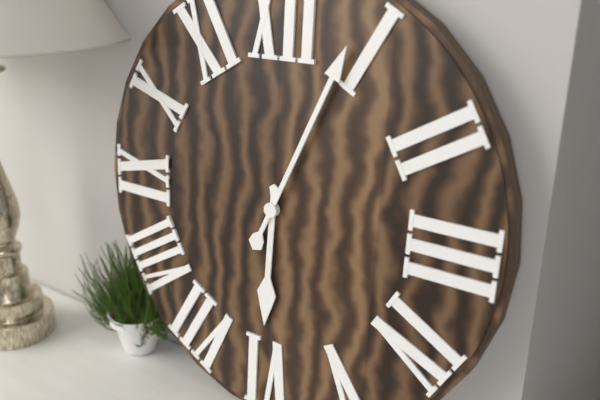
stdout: 6 h 04 min
